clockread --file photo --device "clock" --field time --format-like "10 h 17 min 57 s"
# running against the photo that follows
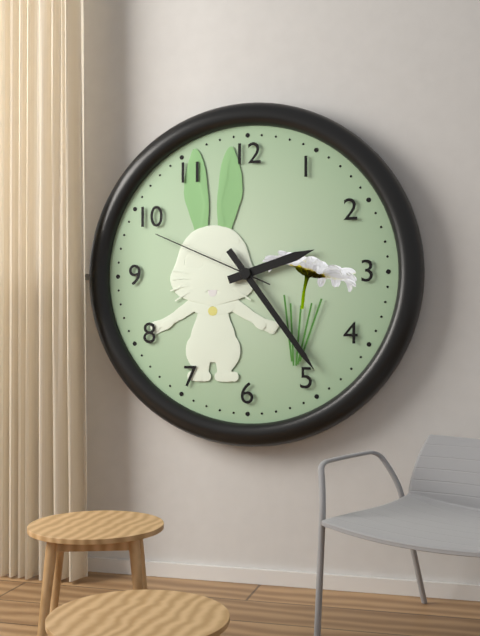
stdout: 2 h 24 min 49 s
